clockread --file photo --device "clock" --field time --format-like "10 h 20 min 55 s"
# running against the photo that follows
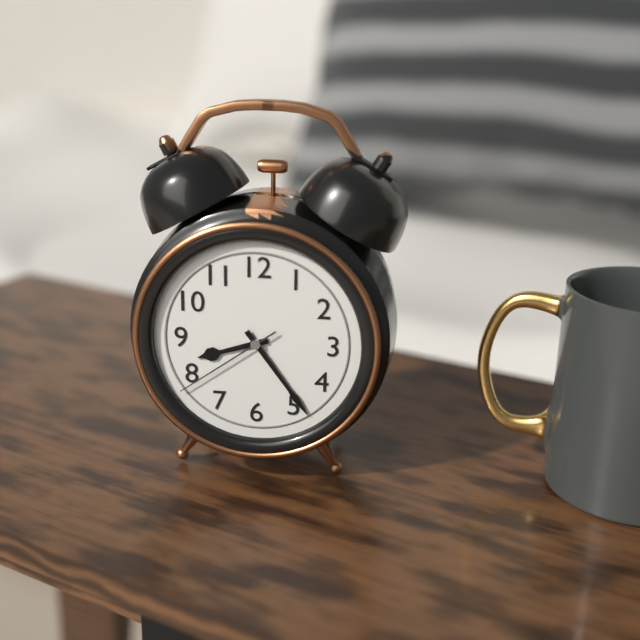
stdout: 8 h 24 min 39 s
